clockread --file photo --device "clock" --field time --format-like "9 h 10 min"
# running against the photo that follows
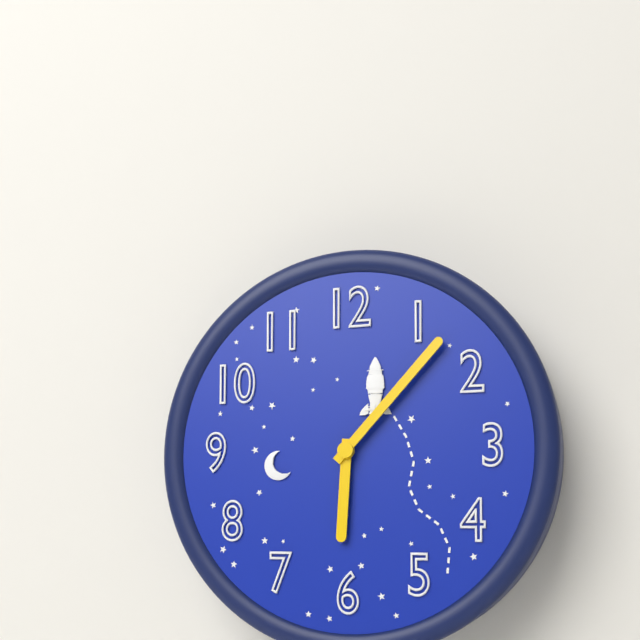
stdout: 6 h 07 min
